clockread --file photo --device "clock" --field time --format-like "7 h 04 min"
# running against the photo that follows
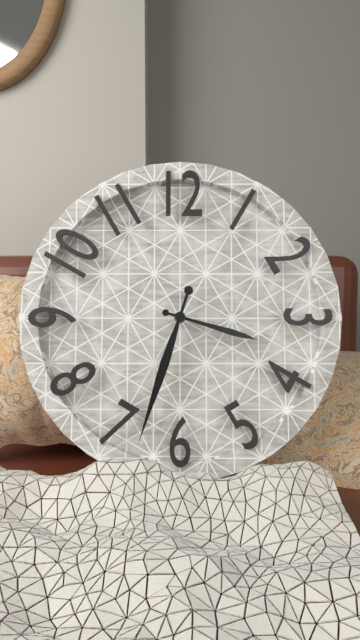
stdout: 3 h 33 min
